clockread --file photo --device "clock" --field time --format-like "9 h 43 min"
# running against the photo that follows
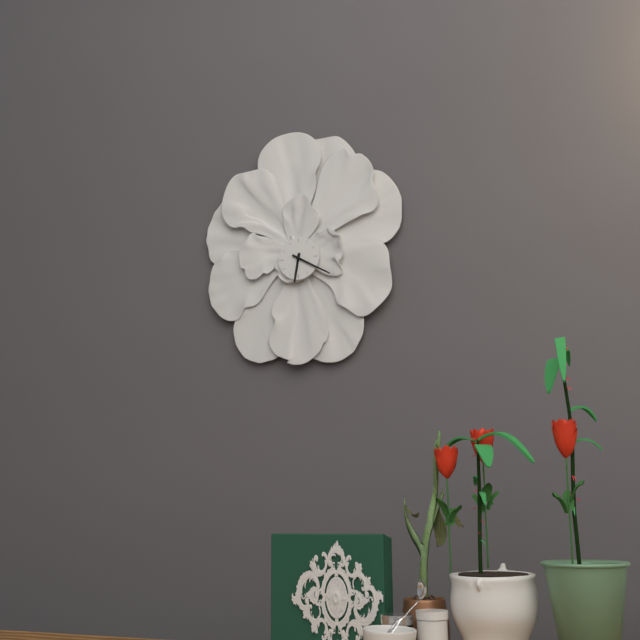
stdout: 6 h 20 min
